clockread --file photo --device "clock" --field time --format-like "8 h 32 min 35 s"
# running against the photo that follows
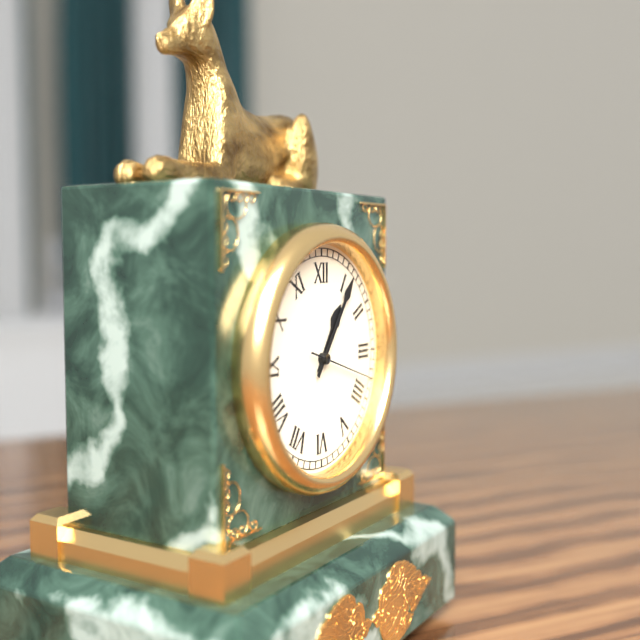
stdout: 1 h 06 min 18 s
